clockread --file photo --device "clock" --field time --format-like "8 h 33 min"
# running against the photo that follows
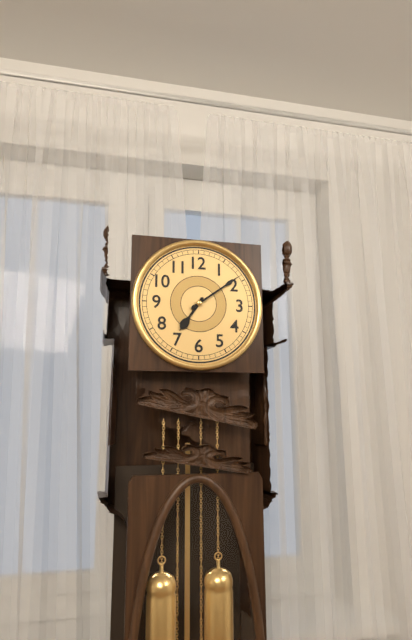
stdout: 7 h 09 min
